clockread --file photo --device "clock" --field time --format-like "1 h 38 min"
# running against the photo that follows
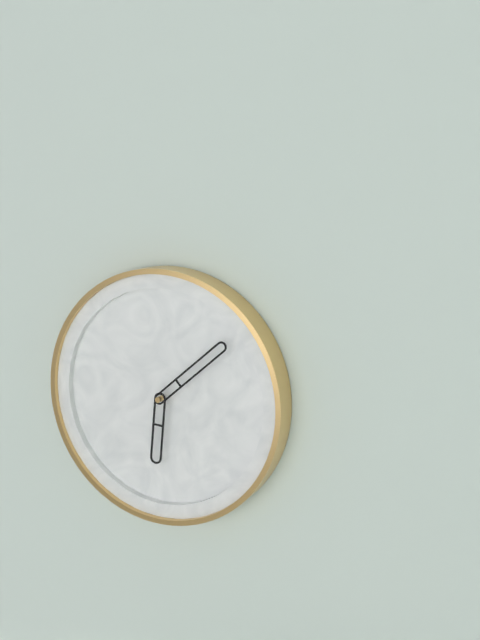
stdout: 6 h 08 min
